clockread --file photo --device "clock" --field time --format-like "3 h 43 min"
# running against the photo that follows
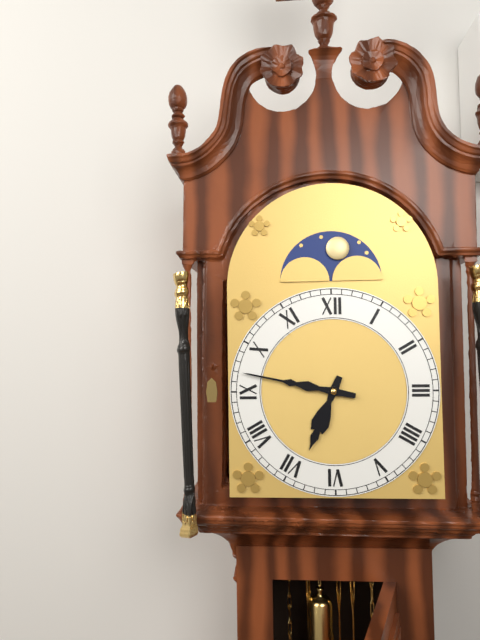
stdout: 6 h 47 min
